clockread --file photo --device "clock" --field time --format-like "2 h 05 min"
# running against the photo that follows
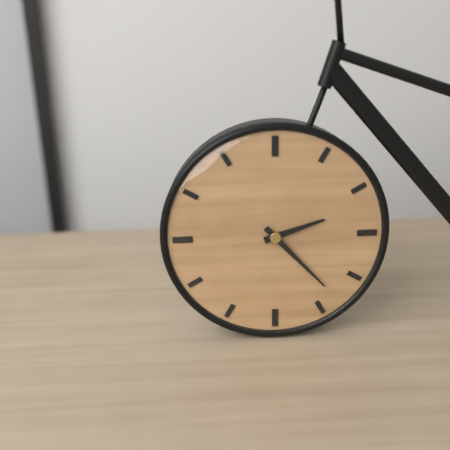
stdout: 2 h 23 min
